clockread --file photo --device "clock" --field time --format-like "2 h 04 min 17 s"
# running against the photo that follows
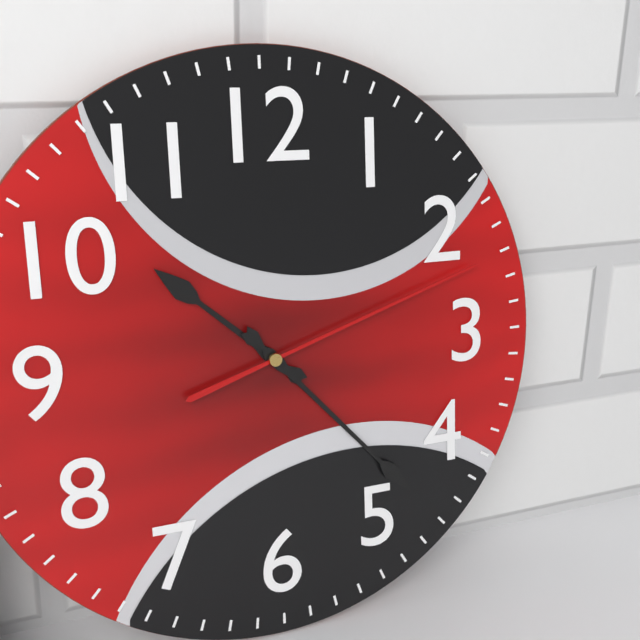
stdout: 10 h 23 min 12 s
